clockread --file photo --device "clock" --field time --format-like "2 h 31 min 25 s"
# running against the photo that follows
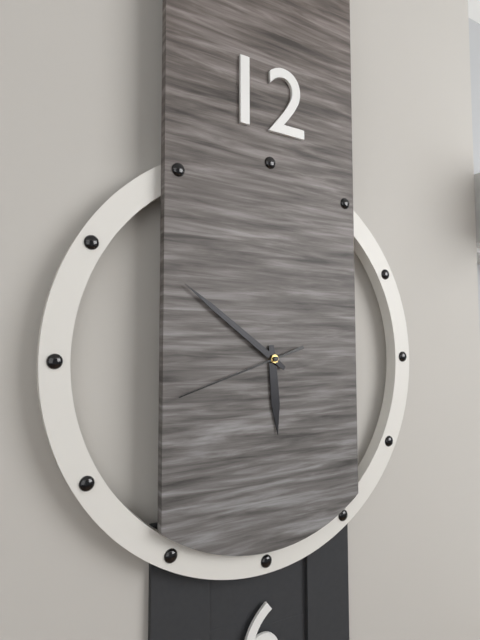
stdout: 5 h 51 min 42 s
